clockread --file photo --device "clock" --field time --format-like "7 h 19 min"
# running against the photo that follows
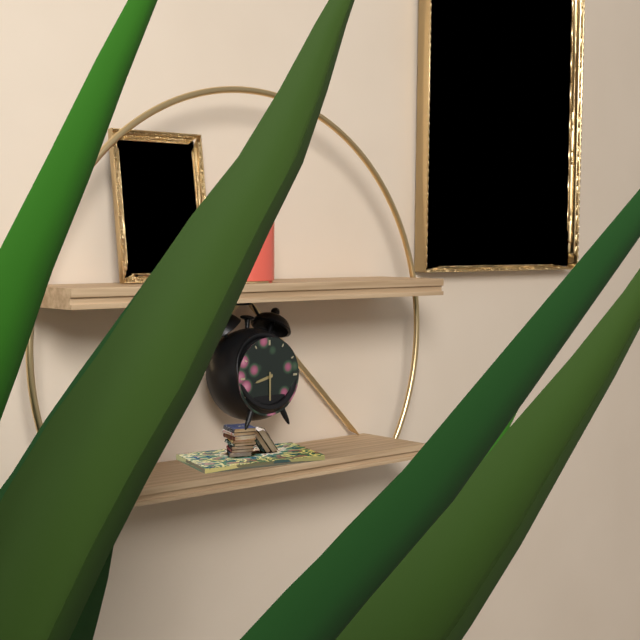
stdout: 8 h 30 min
